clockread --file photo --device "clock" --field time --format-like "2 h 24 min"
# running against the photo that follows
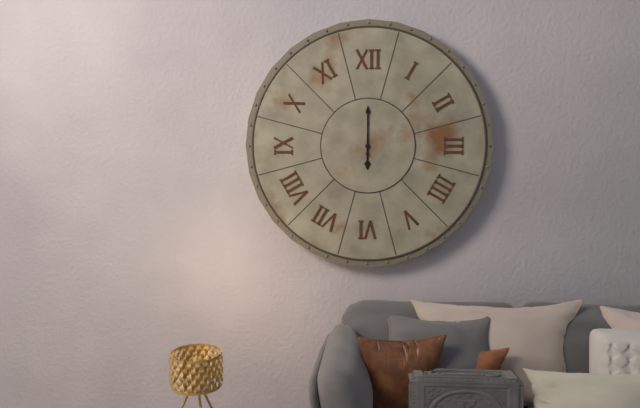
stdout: 6 h 00 min
